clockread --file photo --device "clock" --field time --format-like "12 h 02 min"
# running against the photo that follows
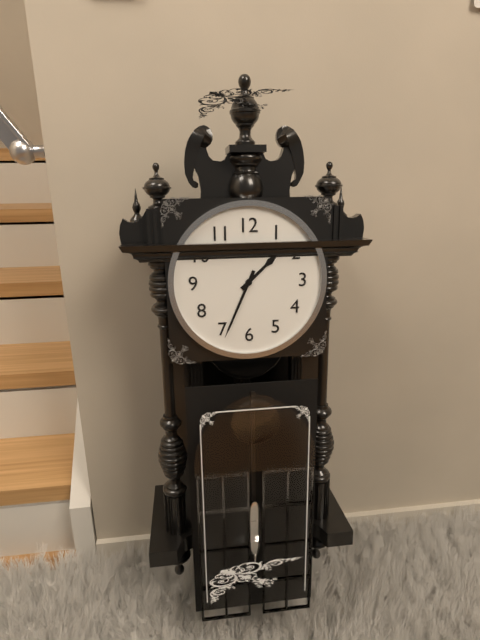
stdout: 1 h 34 min
